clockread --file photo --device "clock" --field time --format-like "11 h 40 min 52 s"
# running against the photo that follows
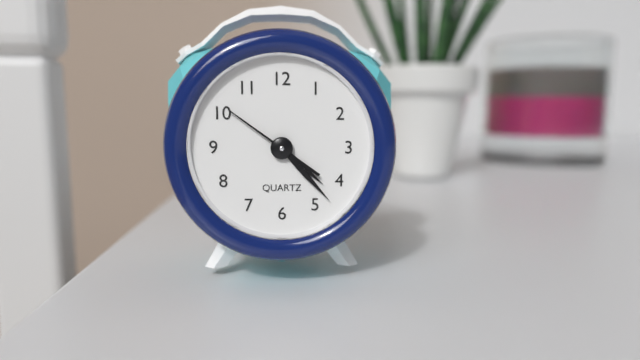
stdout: 4 h 23 min 51 s
